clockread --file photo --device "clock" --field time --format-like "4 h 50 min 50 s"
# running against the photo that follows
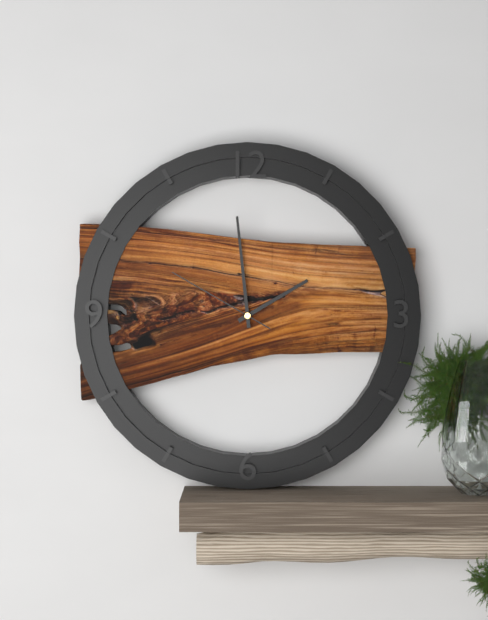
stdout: 1 h 59 min 50 s
